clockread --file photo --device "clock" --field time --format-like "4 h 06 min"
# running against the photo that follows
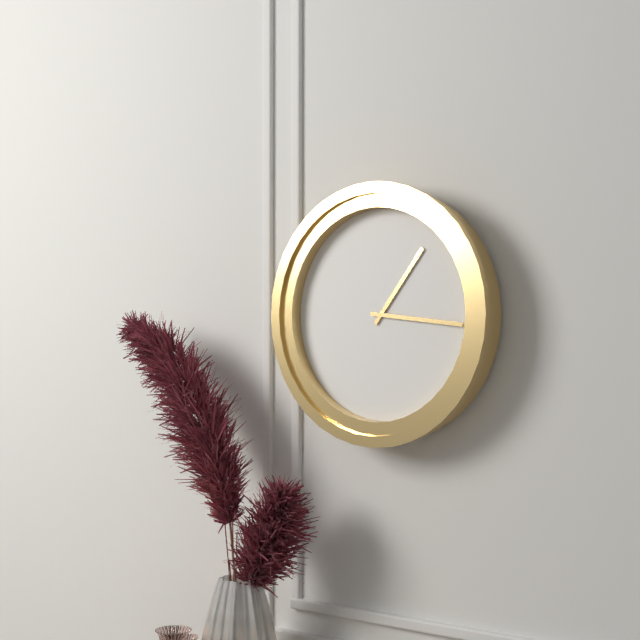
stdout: 1 h 16 min
